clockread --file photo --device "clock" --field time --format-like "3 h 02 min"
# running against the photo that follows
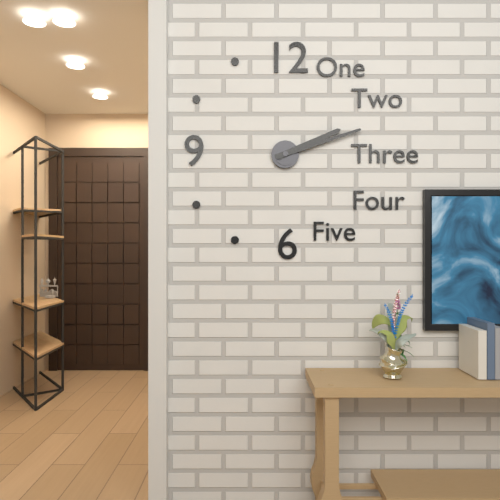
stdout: 2 h 12 min
